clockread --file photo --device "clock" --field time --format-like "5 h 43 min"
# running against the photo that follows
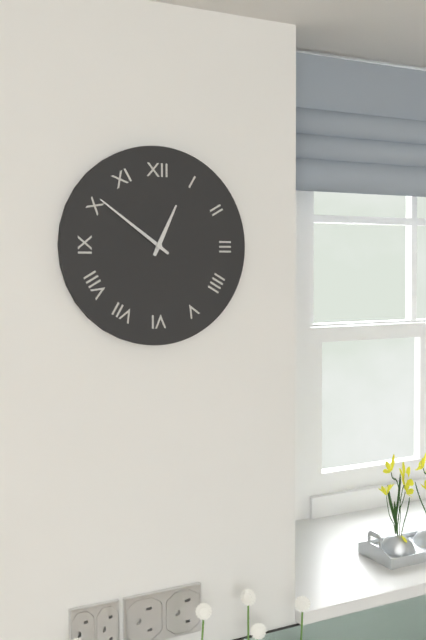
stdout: 12 h 51 min
